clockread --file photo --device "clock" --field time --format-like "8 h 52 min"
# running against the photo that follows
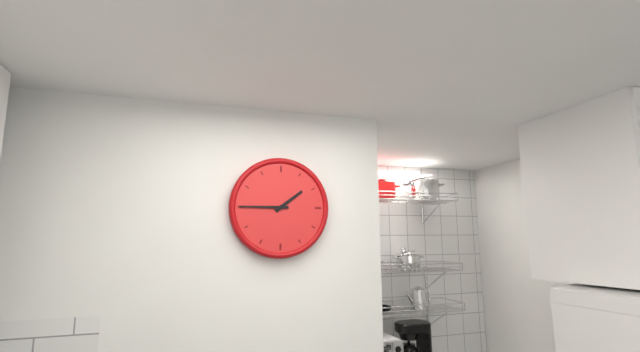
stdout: 1 h 45 min
